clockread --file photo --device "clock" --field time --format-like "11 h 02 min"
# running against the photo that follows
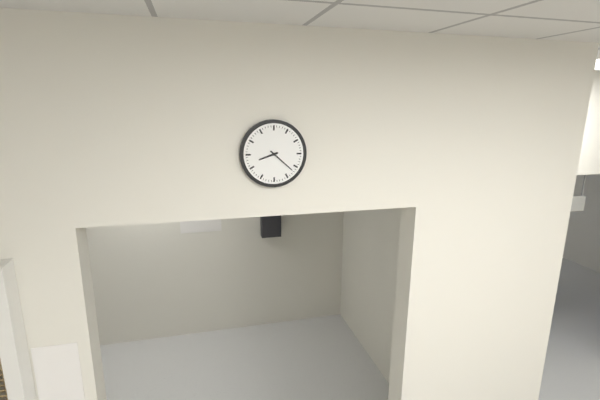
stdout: 8 h 22 min
